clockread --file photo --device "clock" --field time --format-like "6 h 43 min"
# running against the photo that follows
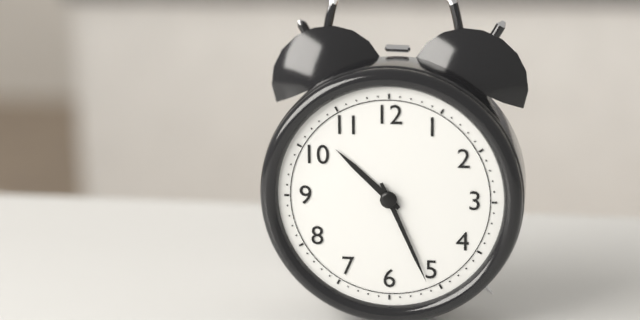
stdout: 10 h 26 min
